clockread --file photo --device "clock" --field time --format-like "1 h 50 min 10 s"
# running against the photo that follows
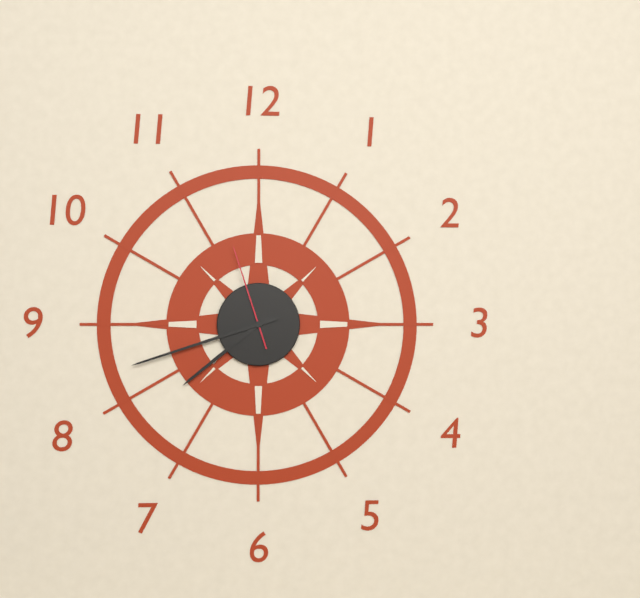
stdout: 7 h 42 min 57 s
